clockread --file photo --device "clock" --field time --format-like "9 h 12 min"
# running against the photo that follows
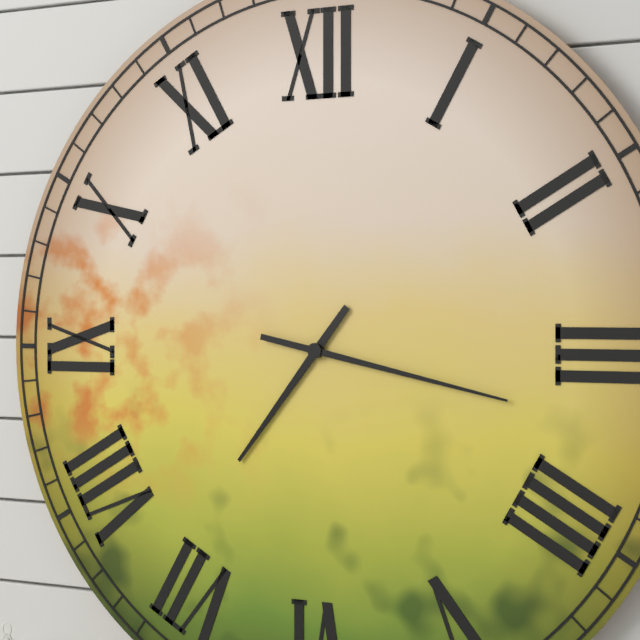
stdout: 7 h 17 min
